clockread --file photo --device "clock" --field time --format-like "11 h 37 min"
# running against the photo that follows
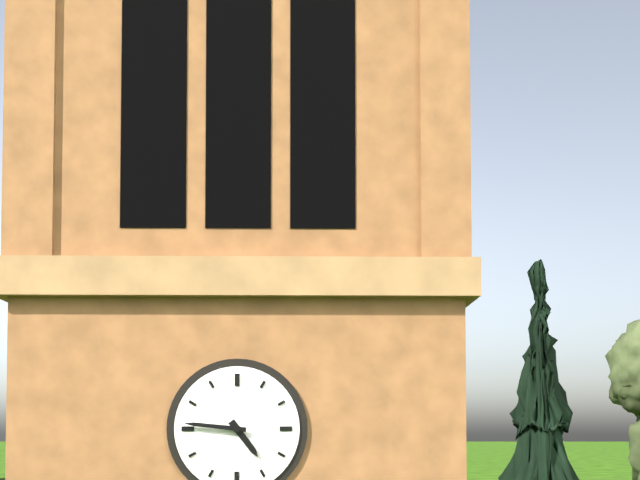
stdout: 4 h 46 min
